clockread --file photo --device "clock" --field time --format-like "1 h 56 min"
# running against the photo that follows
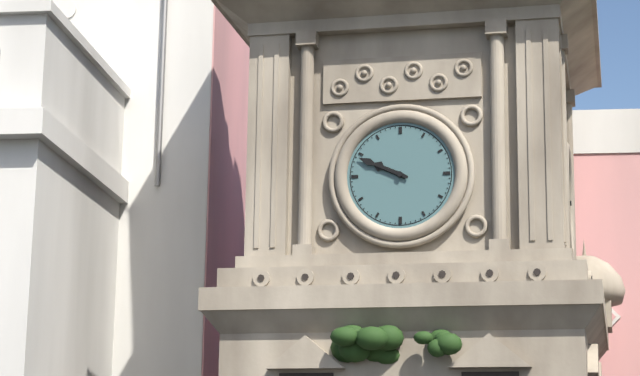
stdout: 9 h 49 min
